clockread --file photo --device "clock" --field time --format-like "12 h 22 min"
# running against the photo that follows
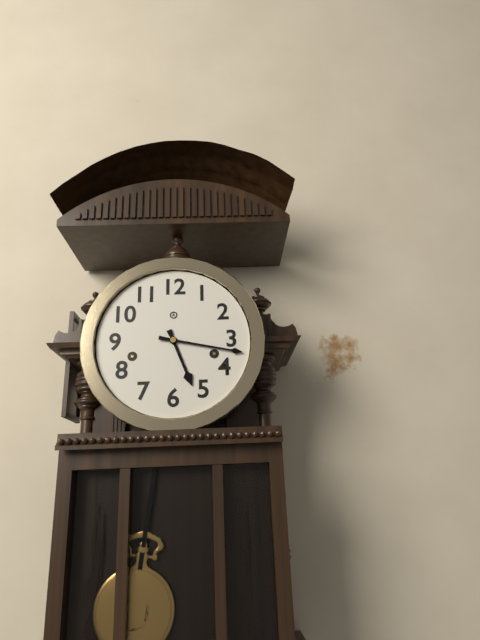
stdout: 5 h 17 min
